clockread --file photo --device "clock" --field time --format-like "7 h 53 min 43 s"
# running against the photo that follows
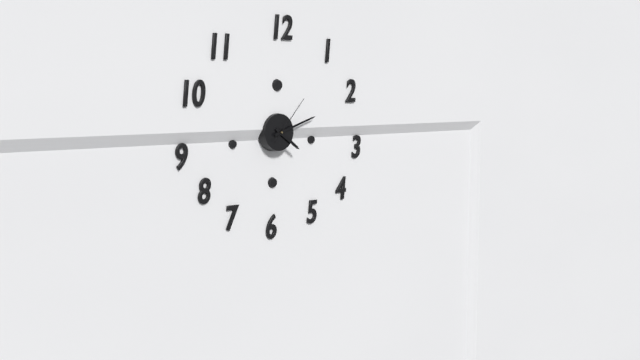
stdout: 4 h 12 min 07 s
